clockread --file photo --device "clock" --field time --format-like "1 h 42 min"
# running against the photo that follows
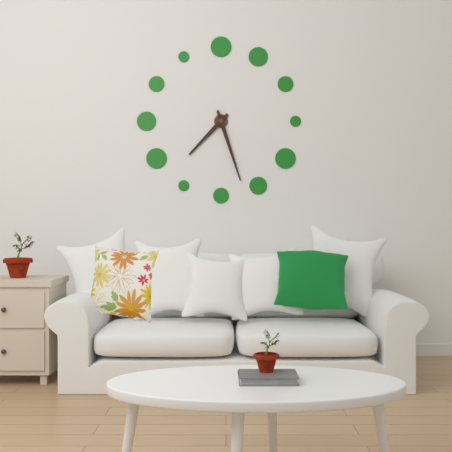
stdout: 7 h 27 min
